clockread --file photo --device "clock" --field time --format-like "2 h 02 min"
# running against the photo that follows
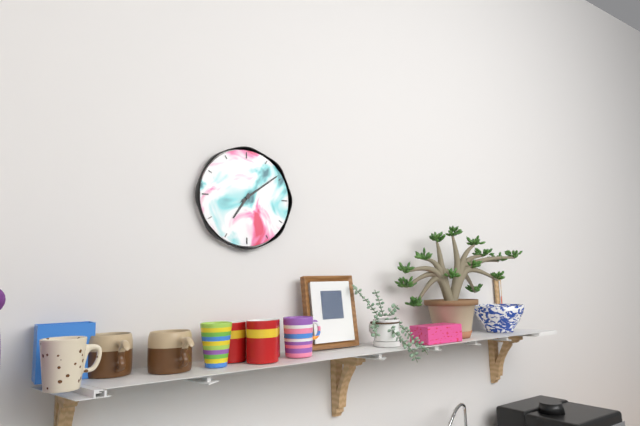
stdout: 7 h 09 min
